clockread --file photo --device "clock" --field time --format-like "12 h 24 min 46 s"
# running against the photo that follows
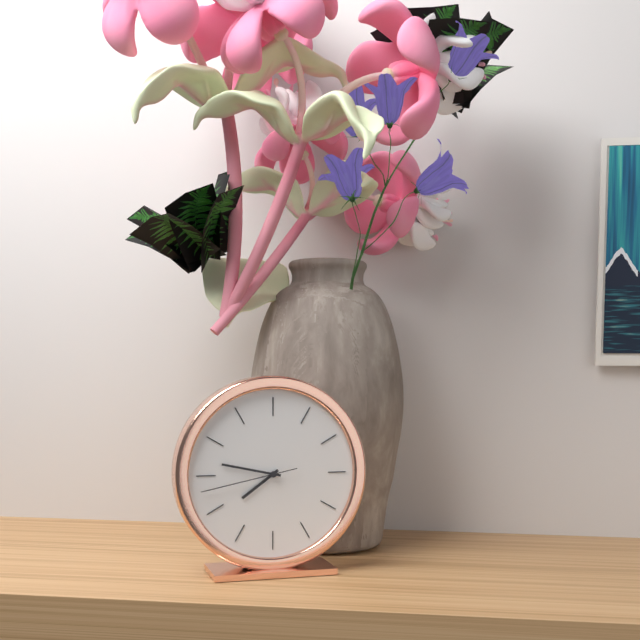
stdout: 7 h 47 min 43 s
